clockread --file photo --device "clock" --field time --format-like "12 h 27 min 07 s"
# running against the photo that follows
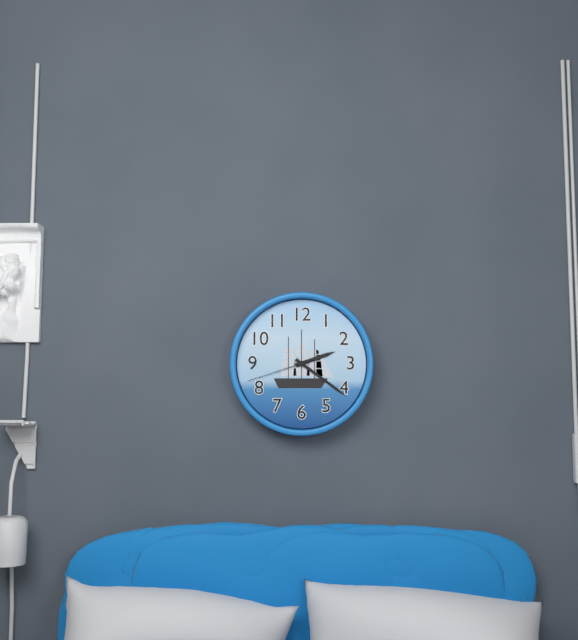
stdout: 2 h 21 min 42 s
